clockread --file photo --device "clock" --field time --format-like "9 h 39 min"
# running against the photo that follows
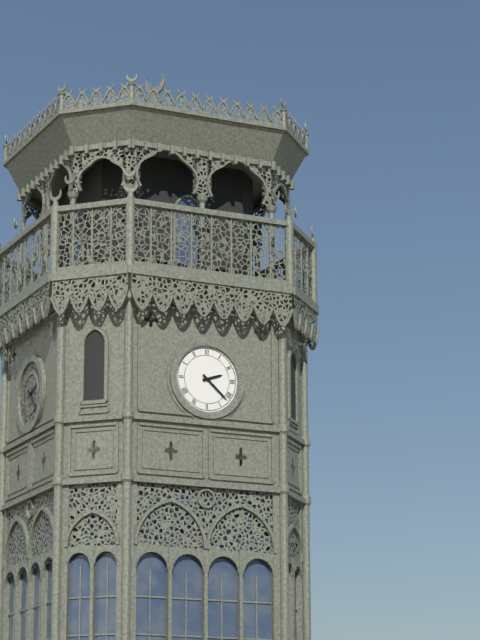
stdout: 2 h 22 min
